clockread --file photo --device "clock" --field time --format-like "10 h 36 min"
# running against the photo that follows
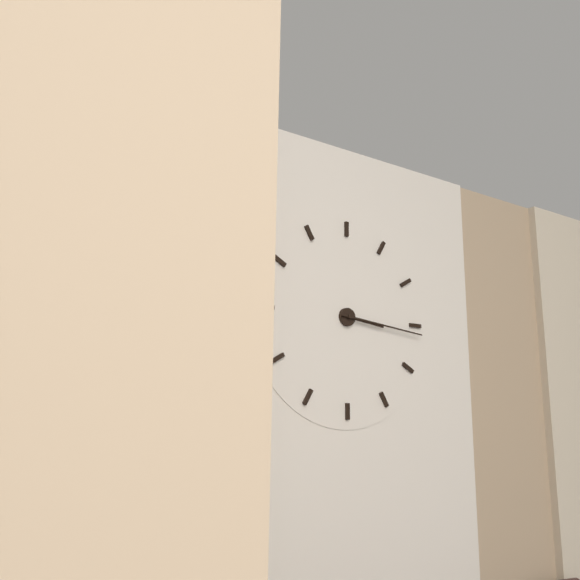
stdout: 3 h 16 min
